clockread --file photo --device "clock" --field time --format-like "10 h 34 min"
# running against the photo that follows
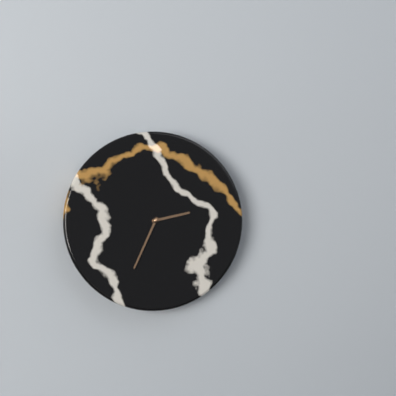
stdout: 2 h 34 min
